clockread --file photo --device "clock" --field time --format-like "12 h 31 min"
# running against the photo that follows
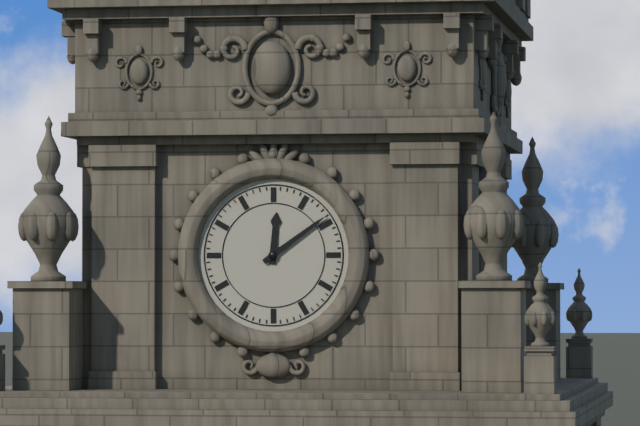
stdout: 12 h 09 min
